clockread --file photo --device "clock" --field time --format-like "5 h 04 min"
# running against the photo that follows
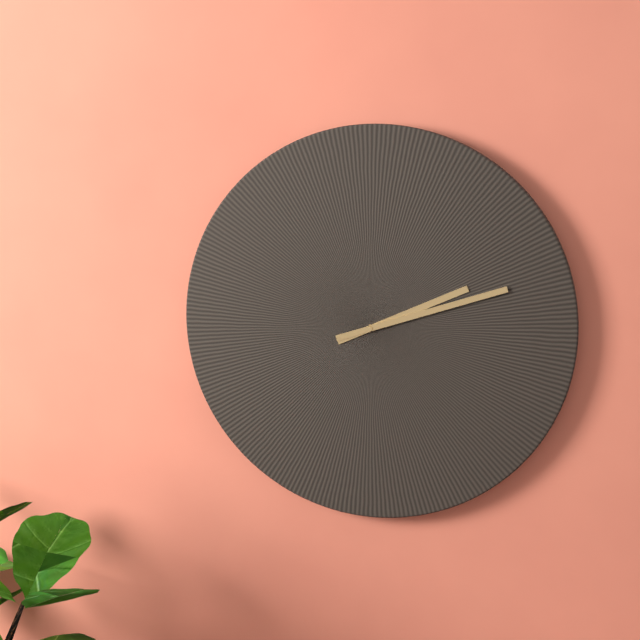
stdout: 2 h 12 min
